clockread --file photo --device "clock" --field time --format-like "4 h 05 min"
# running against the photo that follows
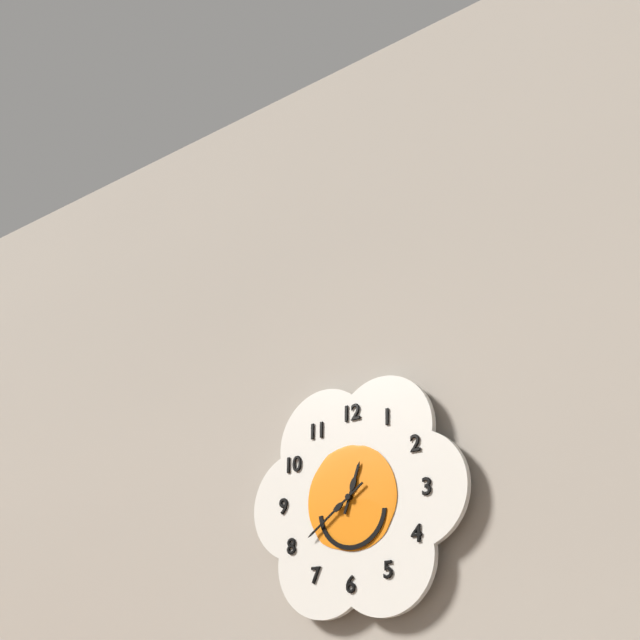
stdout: 12 h 39 min
